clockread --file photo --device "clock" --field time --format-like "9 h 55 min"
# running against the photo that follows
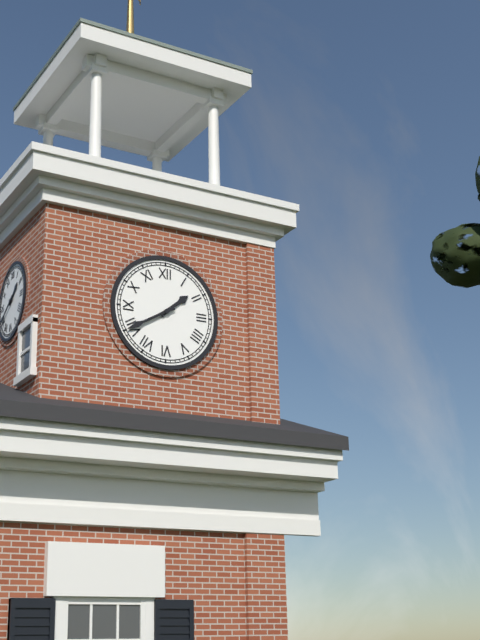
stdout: 1 h 40 min
